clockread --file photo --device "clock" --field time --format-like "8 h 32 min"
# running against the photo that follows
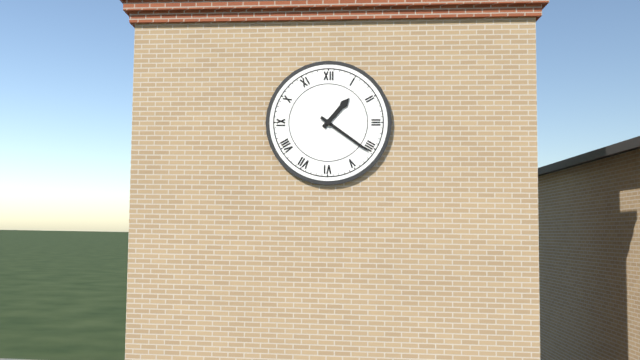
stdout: 1 h 21 min
